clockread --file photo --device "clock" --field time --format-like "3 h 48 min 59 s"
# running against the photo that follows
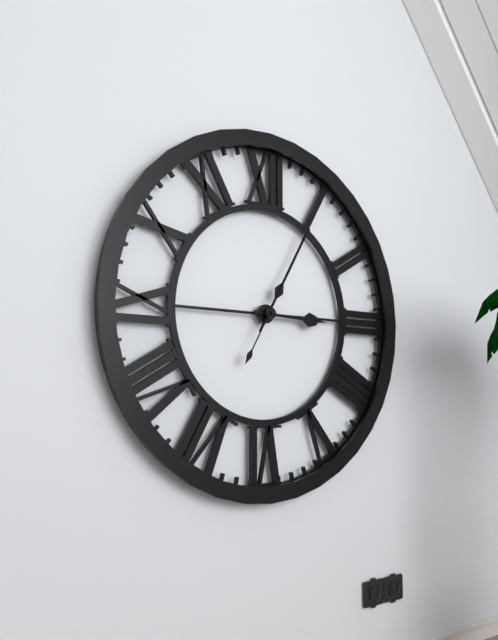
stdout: 3 h 05 min 05 s
